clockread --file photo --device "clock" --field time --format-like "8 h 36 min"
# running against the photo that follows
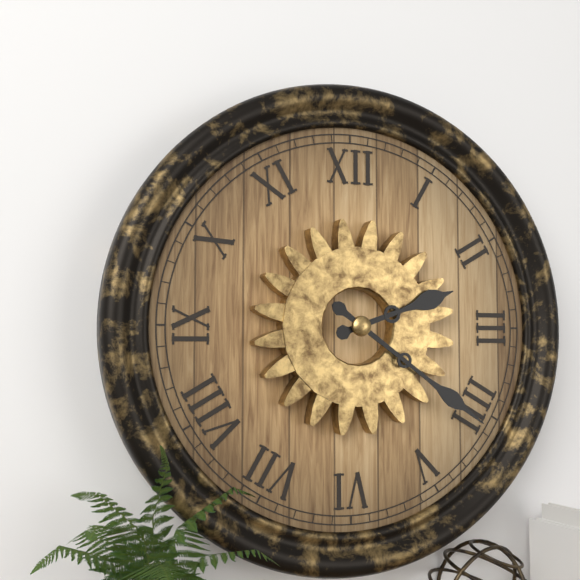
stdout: 2 h 21 min
